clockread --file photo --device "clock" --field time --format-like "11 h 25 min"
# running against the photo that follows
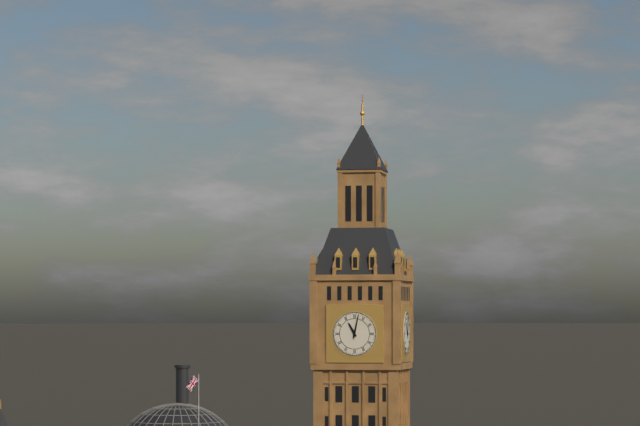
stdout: 11 h 02 min
